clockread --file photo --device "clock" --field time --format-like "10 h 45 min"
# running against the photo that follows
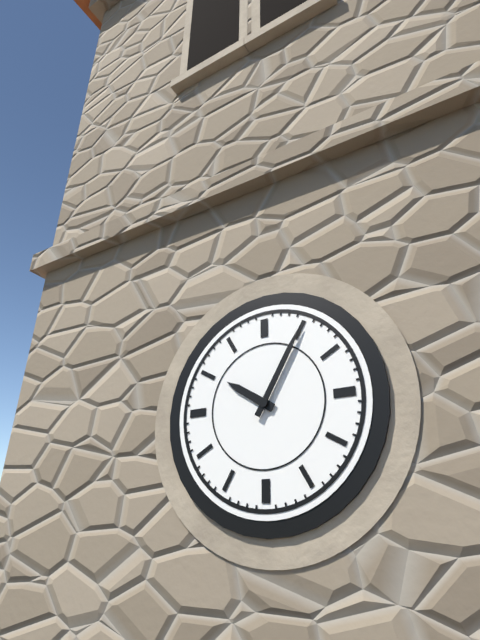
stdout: 10 h 05 min
